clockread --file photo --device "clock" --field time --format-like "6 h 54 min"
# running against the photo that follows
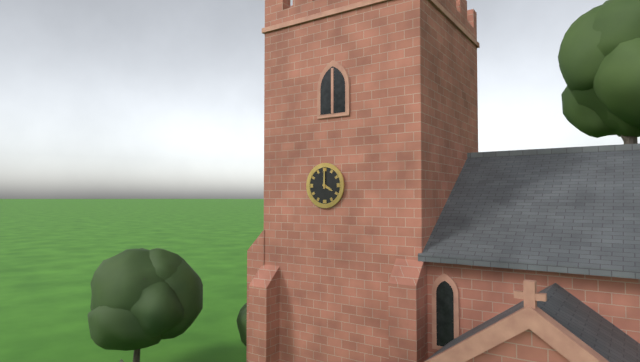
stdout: 4 h 00 min
